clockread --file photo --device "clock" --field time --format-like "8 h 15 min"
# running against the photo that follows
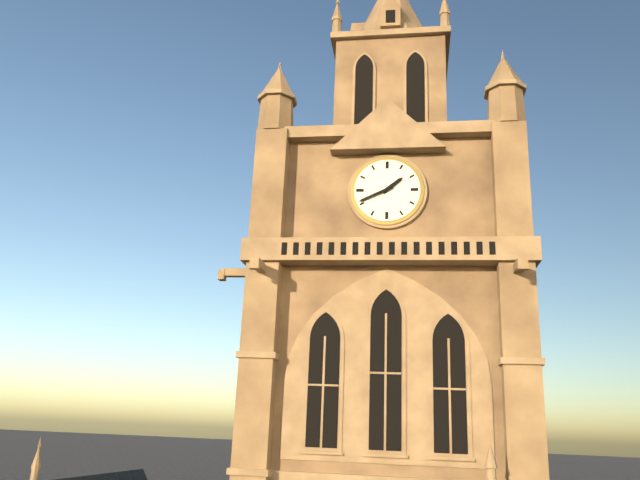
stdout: 1 h 41 min
